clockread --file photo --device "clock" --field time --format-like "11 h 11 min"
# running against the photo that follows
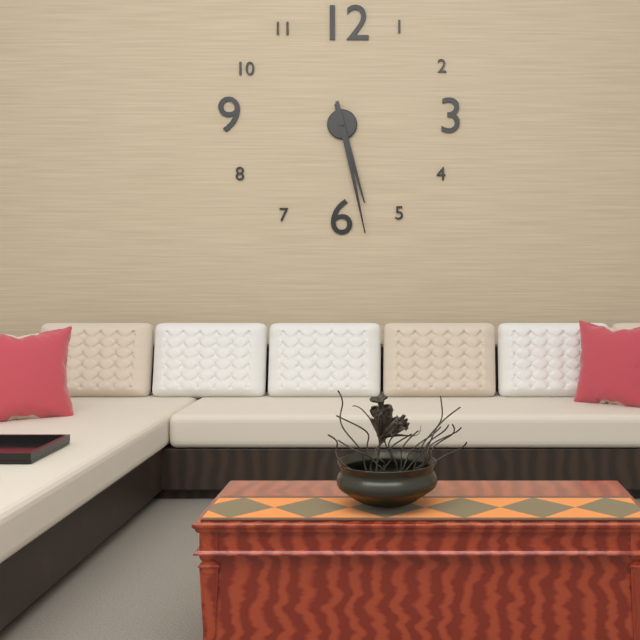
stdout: 5 h 28 min
